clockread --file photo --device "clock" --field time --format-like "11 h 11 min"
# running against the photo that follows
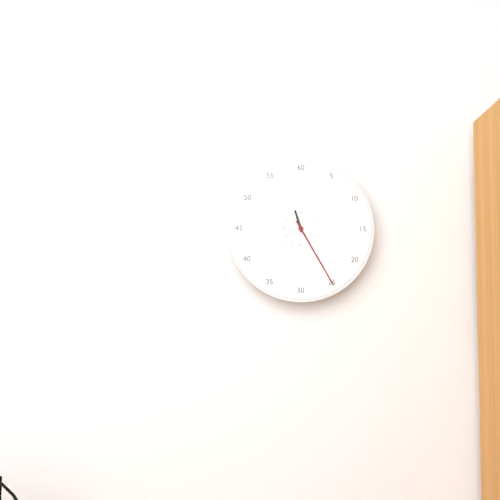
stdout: 11 h 25 min
